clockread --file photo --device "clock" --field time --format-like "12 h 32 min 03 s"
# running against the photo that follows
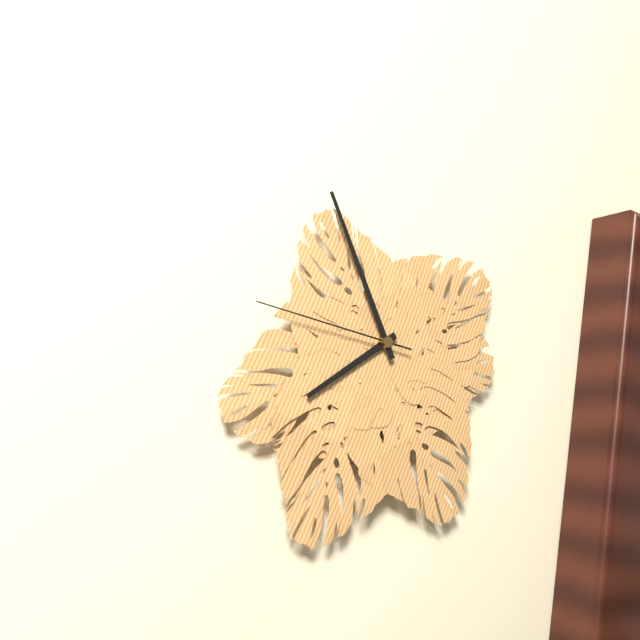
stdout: 7 h 56 min 47 s
